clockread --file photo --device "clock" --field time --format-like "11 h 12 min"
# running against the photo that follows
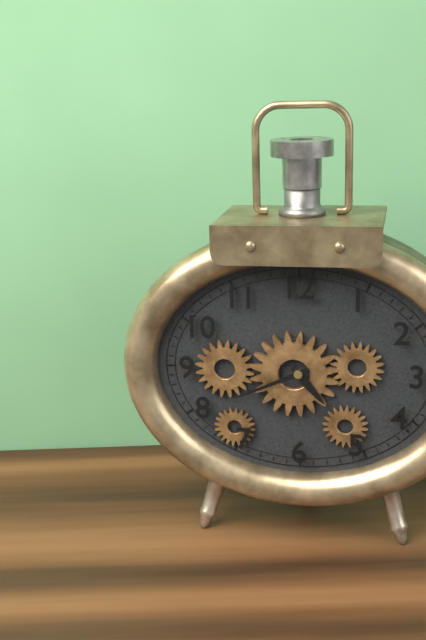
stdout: 4 h 41 min
